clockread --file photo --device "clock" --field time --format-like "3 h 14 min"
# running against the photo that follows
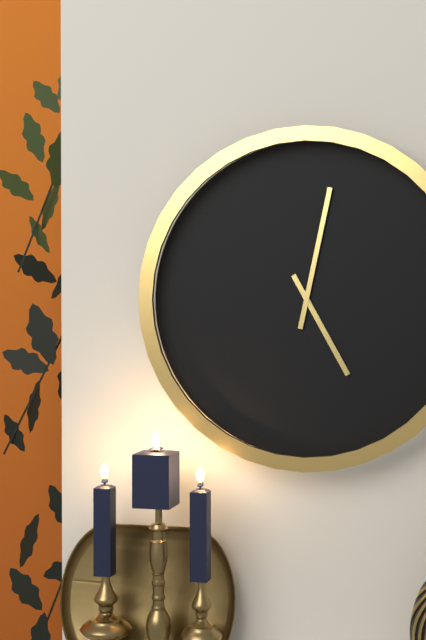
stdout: 5 h 02 min
